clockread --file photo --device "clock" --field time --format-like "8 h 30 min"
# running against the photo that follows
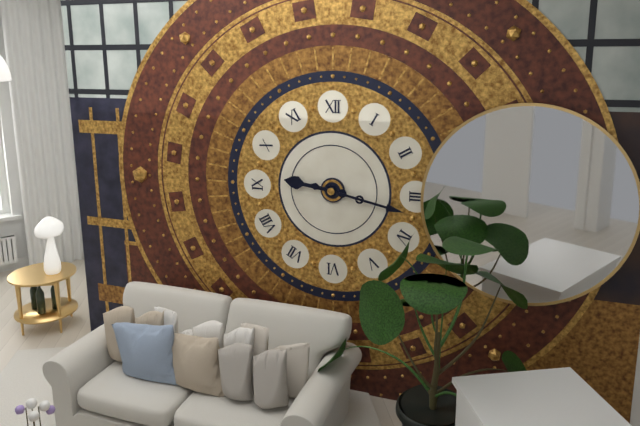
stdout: 9 h 17 min
